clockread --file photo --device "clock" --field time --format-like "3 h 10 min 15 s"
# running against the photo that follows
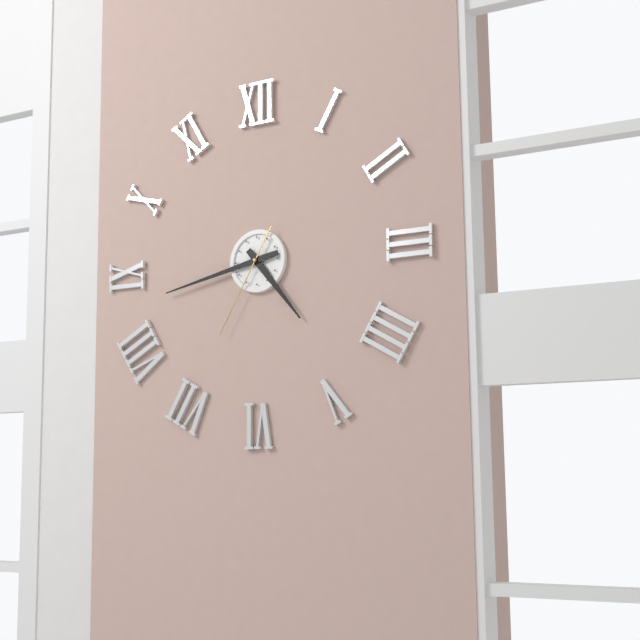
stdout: 4 h 43 min 35 s
